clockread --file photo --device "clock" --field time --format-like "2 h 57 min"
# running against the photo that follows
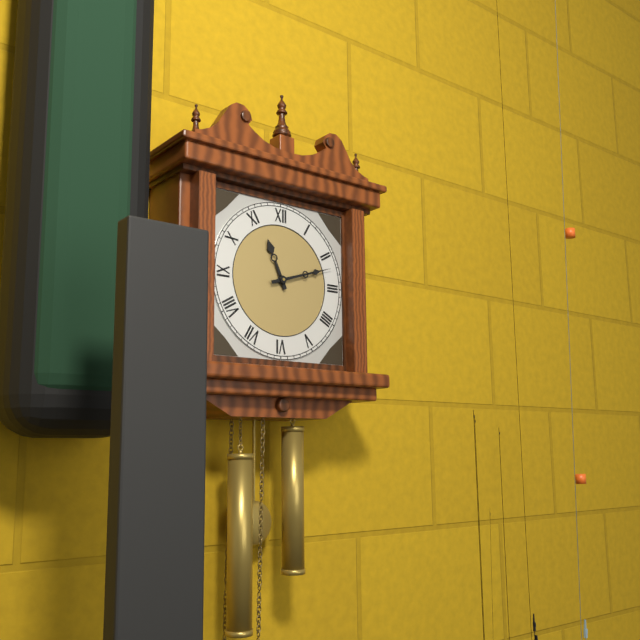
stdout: 11 h 12 min
